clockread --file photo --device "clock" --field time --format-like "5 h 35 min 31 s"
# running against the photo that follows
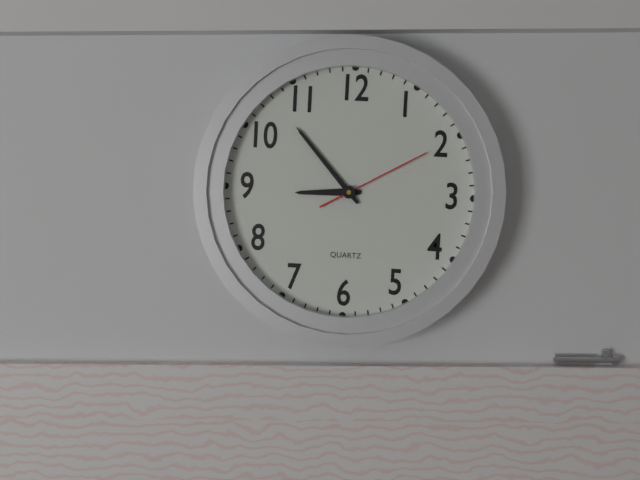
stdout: 8 h 53 min 10 s
